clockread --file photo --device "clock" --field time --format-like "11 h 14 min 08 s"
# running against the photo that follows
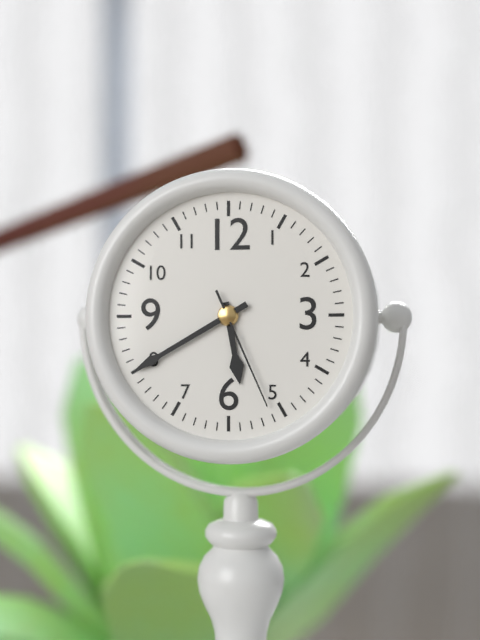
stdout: 5 h 40 min 26 s
